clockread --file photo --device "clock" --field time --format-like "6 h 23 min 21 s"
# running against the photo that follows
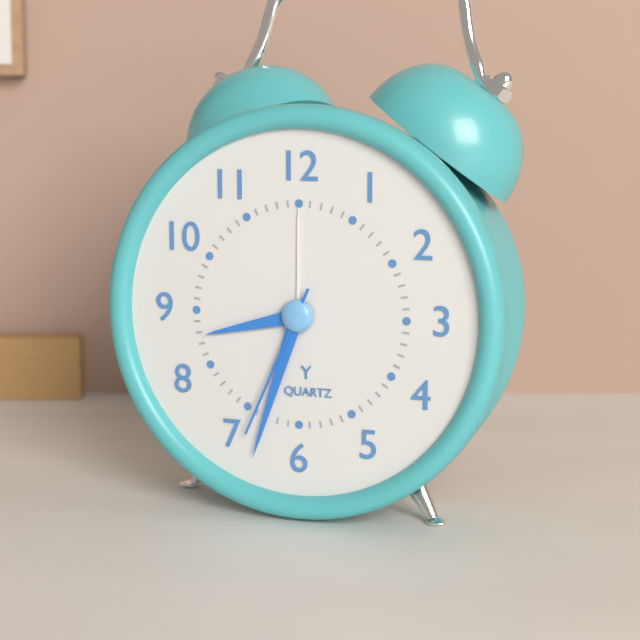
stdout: 8 h 33 min 34 s
